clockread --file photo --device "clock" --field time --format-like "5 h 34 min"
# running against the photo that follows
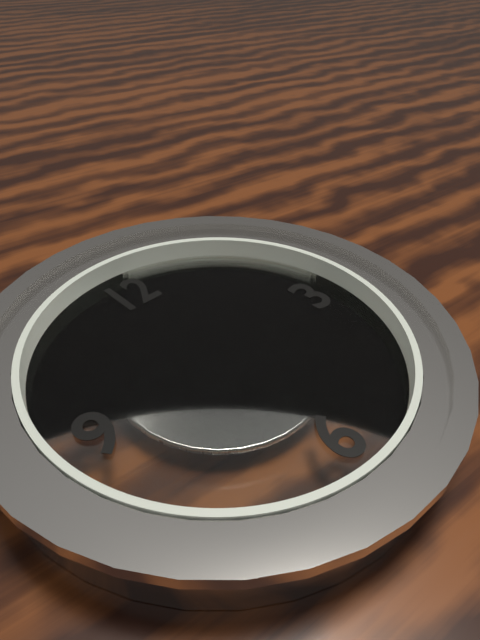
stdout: 9 h 48 min
